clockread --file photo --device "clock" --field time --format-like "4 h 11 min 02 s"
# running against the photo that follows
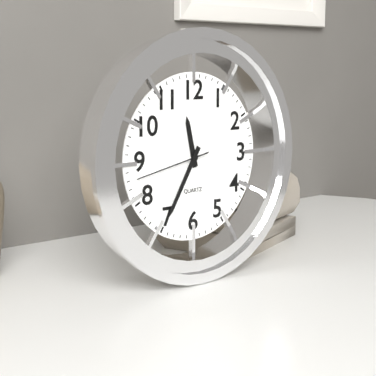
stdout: 11 h 35 min 43 s
